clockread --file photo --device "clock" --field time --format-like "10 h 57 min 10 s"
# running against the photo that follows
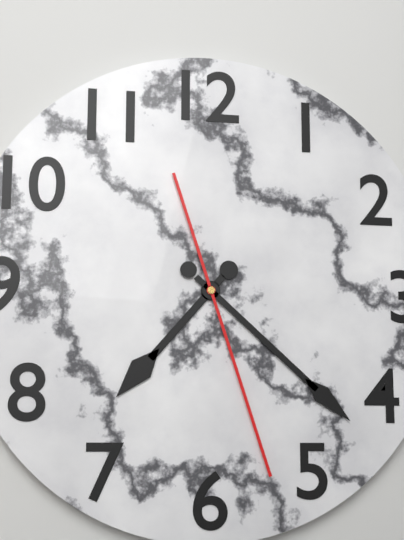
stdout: 7 h 22 min 27 s
